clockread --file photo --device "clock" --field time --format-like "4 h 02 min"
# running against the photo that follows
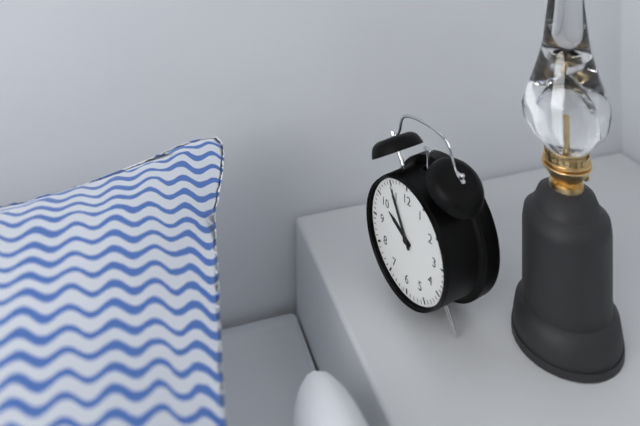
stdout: 9 h 55 min
